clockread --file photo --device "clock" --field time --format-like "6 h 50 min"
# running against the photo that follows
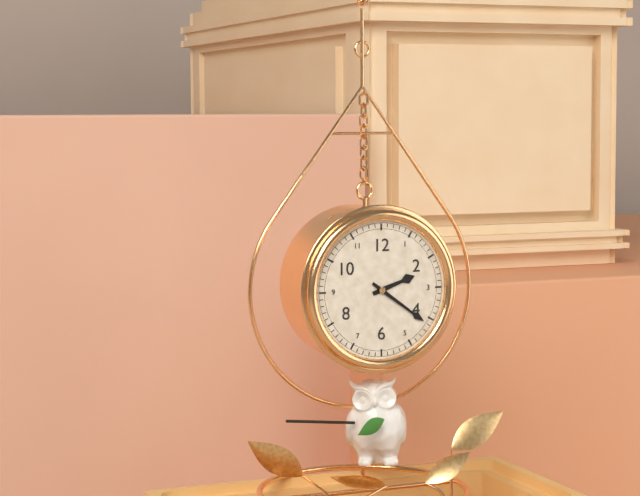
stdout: 2 h 21 min
